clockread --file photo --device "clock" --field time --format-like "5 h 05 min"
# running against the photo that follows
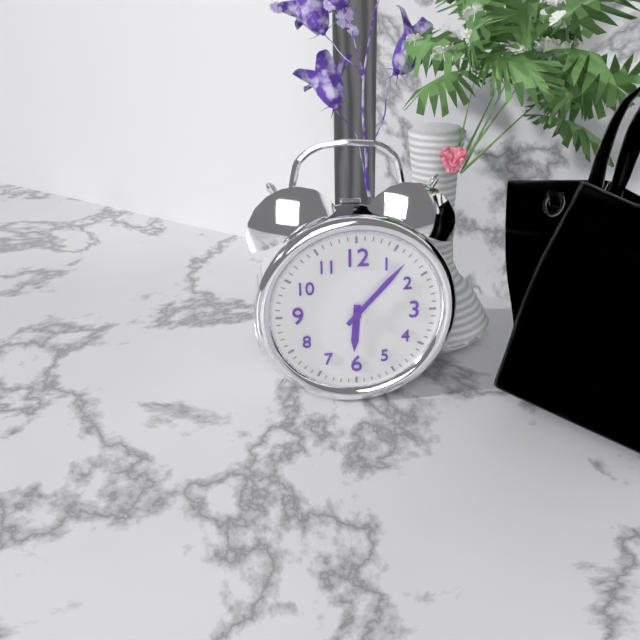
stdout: 6 h 07 min
